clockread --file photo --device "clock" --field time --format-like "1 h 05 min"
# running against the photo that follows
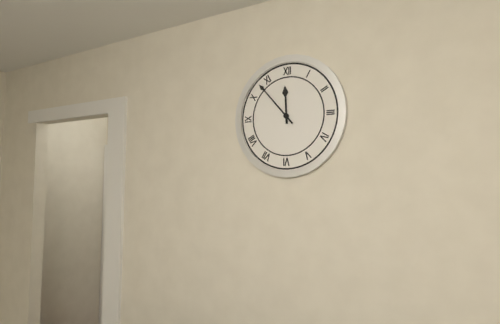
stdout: 11 h 53 min
